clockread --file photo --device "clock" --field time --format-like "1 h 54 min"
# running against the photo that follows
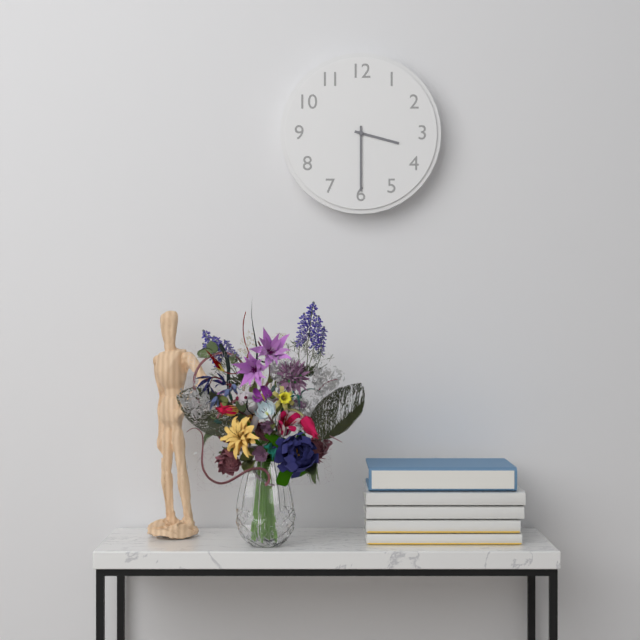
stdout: 3 h 30 min
